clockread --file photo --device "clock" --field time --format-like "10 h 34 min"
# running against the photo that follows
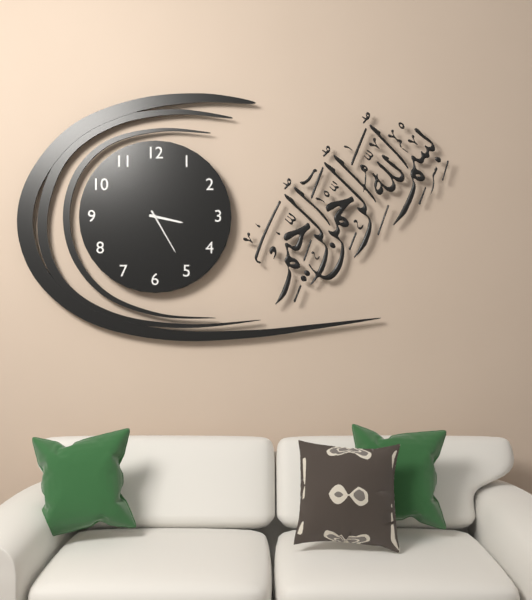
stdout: 3 h 25 min
